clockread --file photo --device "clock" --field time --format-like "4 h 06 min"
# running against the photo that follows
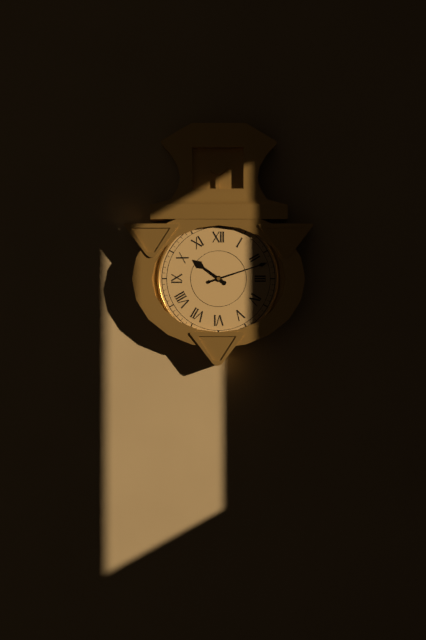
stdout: 10 h 12 min
